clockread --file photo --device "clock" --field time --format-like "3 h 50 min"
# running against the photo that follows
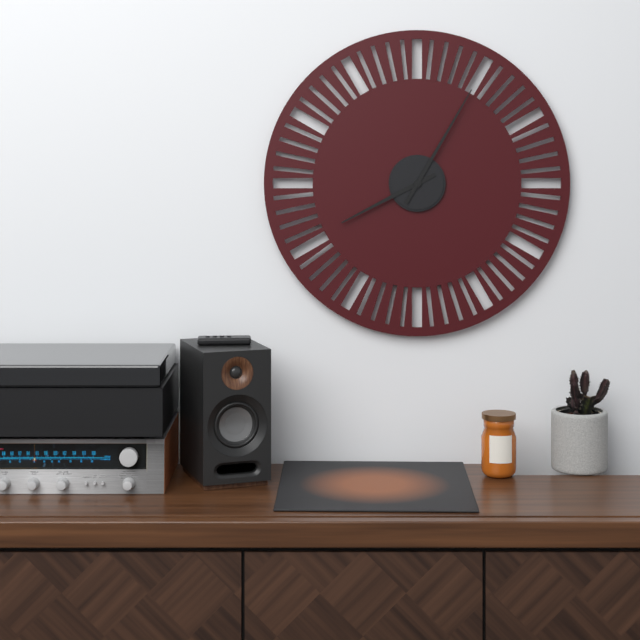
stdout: 8 h 05 min
